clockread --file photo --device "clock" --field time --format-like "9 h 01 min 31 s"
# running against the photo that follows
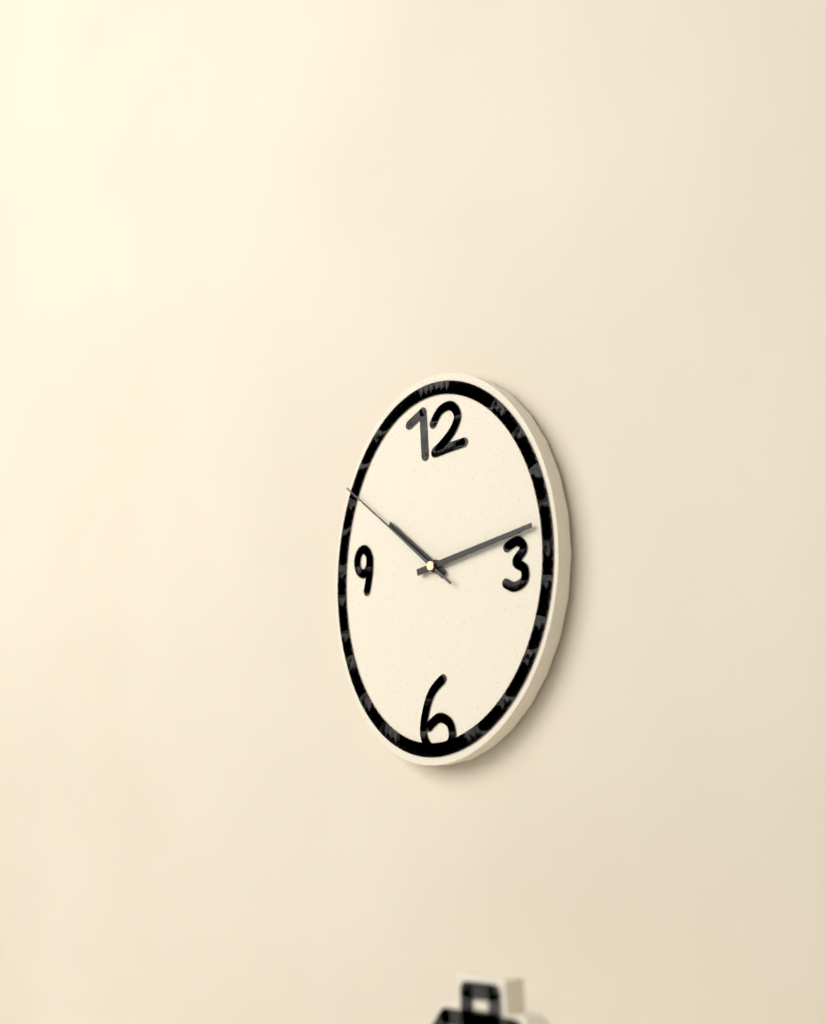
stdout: 10 h 13 min 51 s
